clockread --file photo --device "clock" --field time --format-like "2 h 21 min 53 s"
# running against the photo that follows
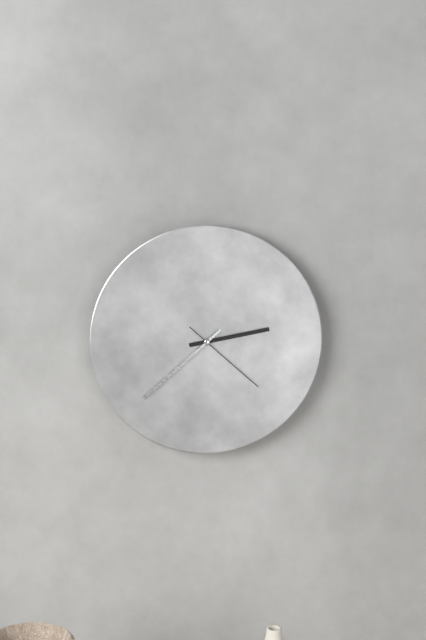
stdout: 2 h 38 min 22 s
